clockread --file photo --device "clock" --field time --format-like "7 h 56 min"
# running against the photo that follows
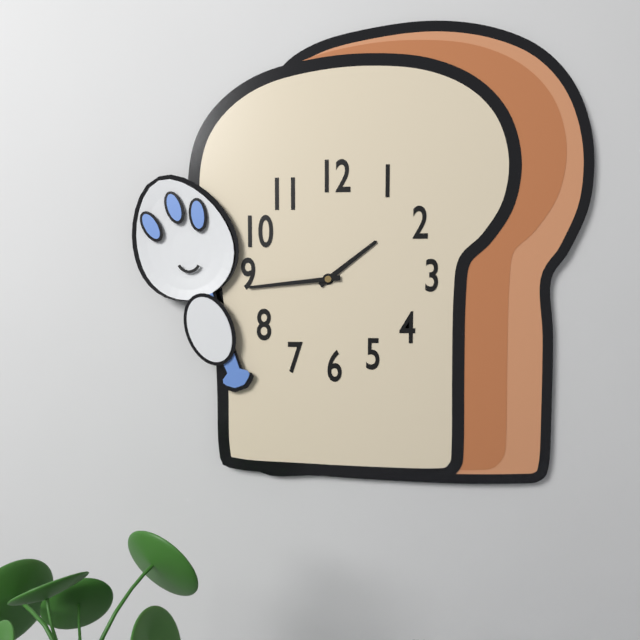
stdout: 1 h 44 min
